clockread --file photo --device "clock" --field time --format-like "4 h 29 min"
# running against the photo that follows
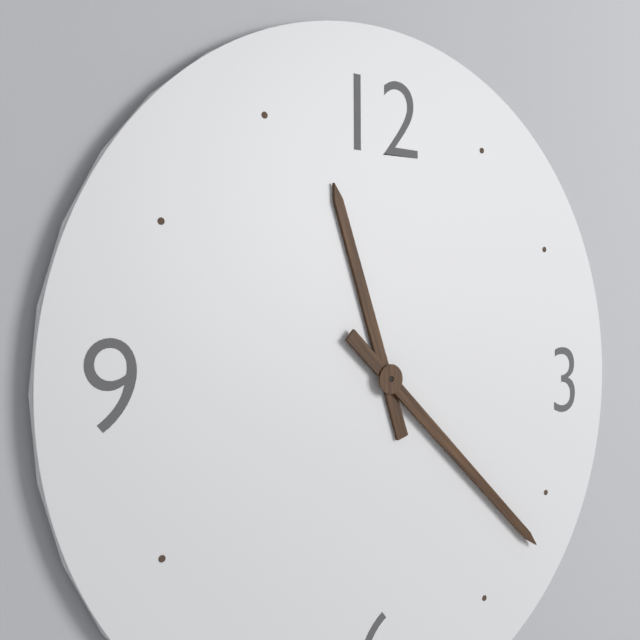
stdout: 11 h 22 min
